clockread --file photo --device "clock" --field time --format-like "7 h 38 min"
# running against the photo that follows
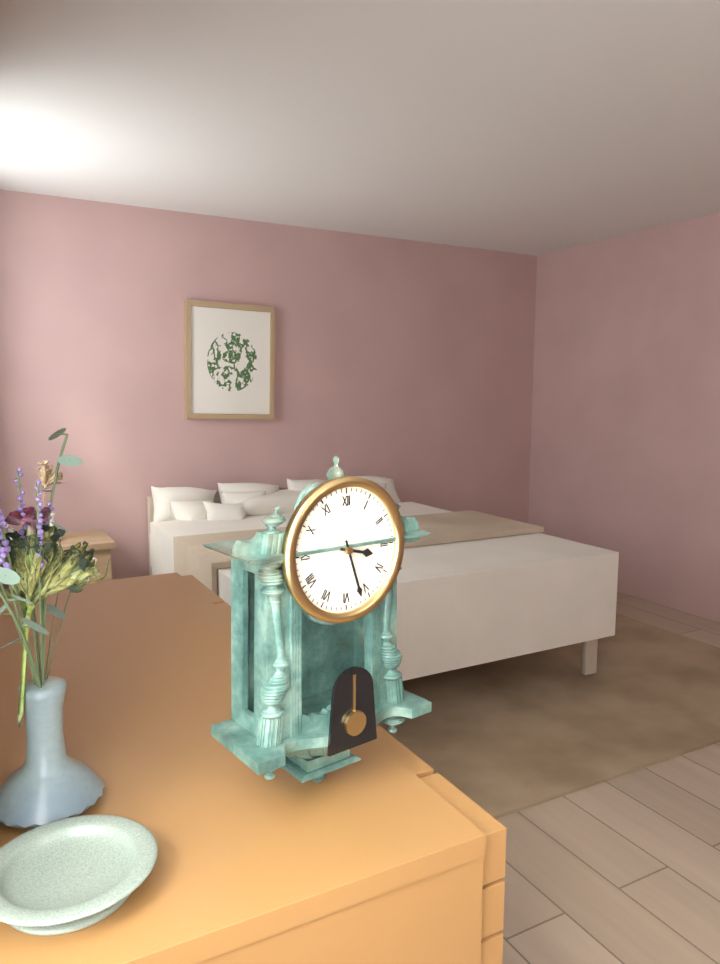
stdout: 3 h 27 min
